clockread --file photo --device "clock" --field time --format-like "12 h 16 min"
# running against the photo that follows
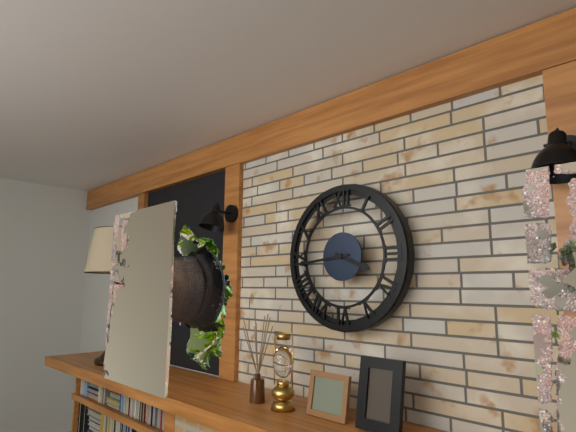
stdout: 3 h 44 min
